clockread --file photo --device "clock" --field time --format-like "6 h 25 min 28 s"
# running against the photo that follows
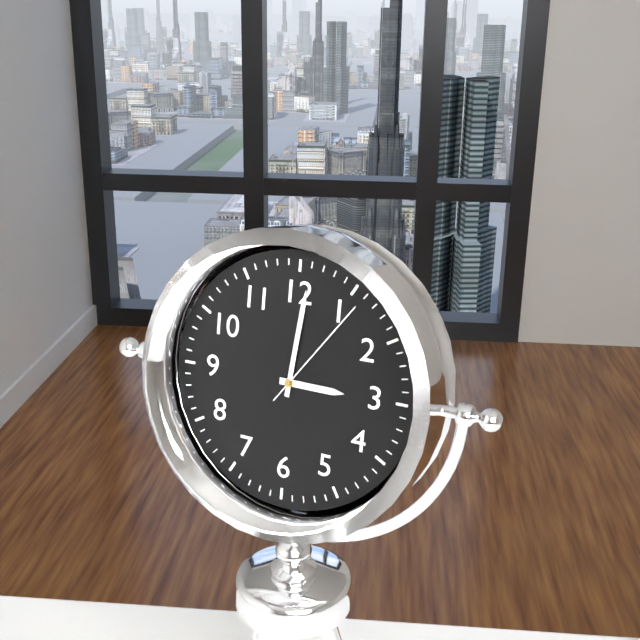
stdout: 3 h 01 min 06 s
